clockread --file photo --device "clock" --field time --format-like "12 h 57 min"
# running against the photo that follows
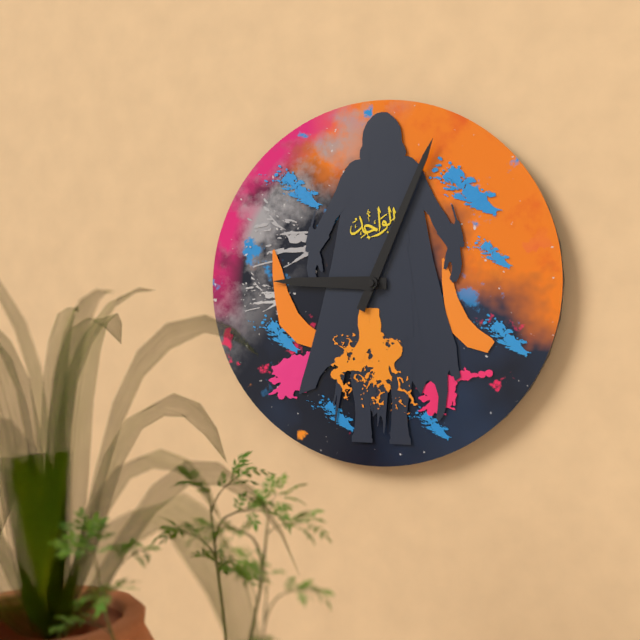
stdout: 9 h 04 min
